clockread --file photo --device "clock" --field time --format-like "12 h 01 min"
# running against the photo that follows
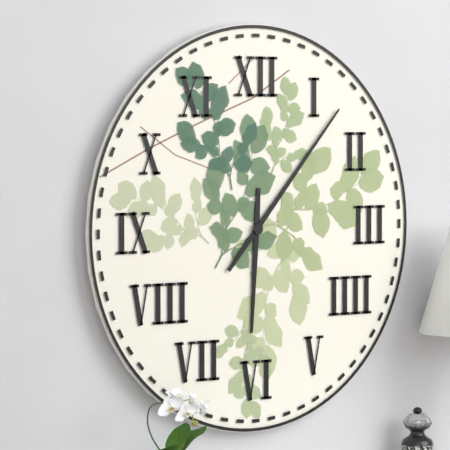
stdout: 6 h 07 min
